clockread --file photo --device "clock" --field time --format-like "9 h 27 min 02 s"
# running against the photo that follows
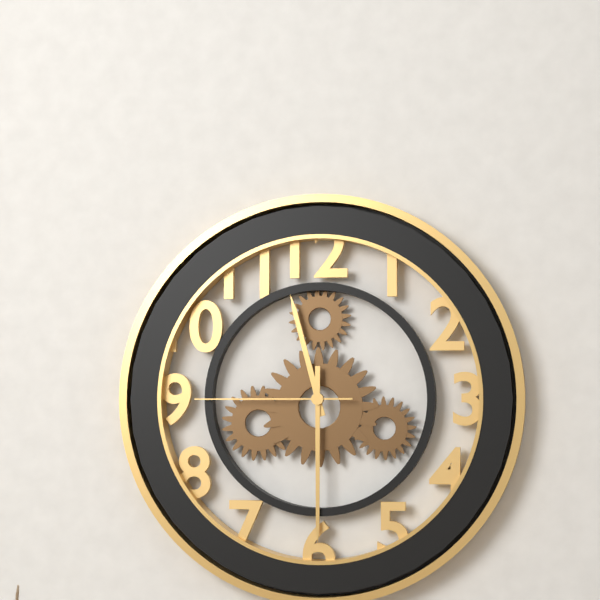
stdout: 11 h 30 min 45 s
